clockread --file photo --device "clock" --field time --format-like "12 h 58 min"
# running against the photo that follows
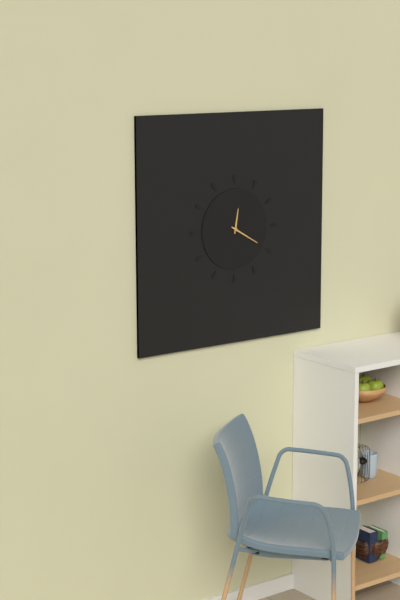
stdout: 12 h 20 min
